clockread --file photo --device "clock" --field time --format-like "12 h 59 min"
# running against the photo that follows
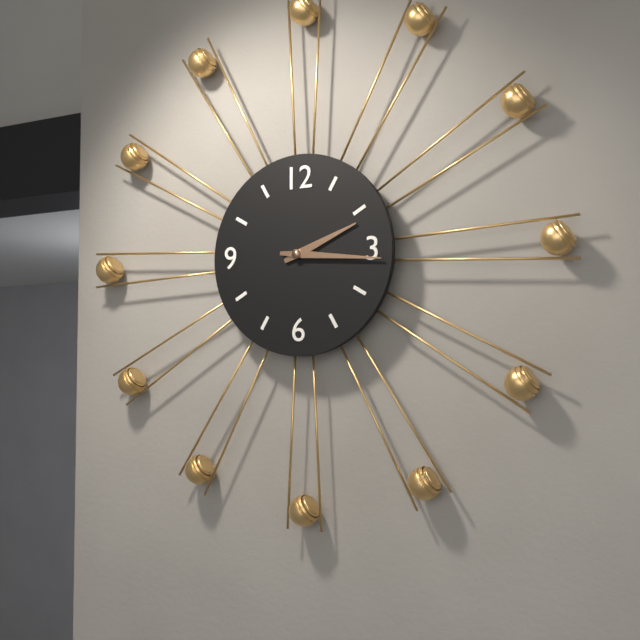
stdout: 2 h 16 min
